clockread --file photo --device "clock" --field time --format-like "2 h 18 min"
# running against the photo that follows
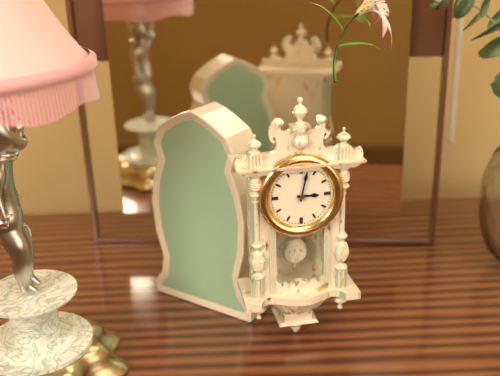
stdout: 3 h 02 min
